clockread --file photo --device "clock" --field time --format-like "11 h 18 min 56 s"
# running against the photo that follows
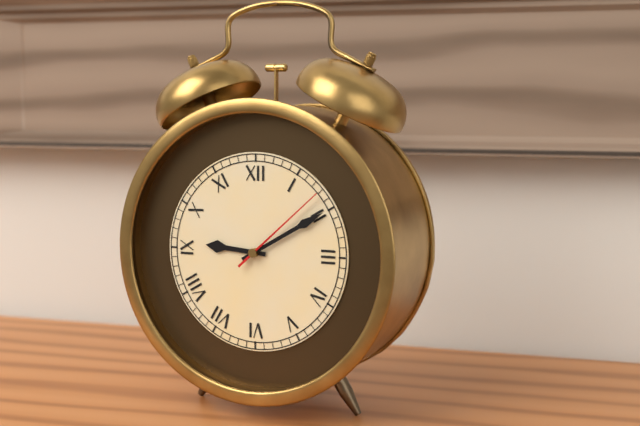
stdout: 9 h 10 min 08 s
